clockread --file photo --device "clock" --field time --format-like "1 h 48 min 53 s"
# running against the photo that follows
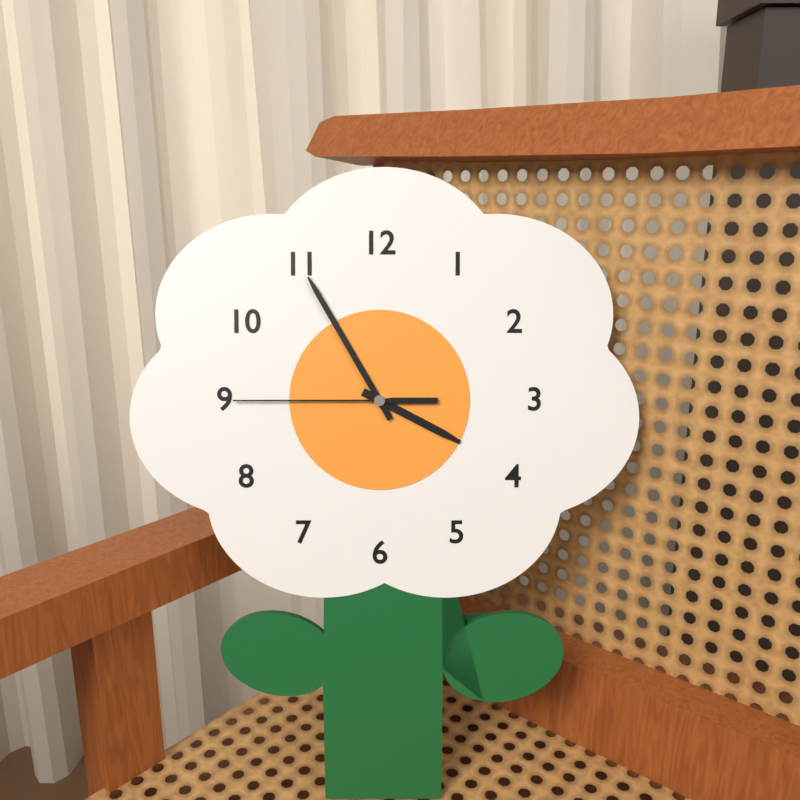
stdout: 3 h 55 min 45 s
